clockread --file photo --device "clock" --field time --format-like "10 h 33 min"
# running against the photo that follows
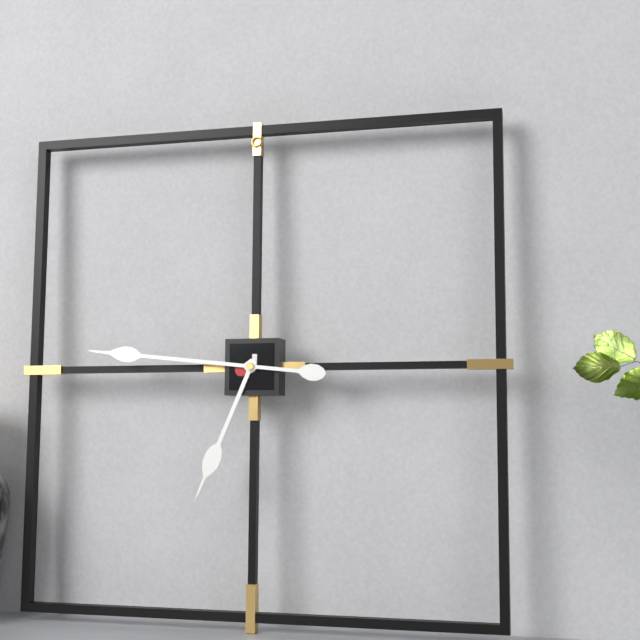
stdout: 6 h 46 min
